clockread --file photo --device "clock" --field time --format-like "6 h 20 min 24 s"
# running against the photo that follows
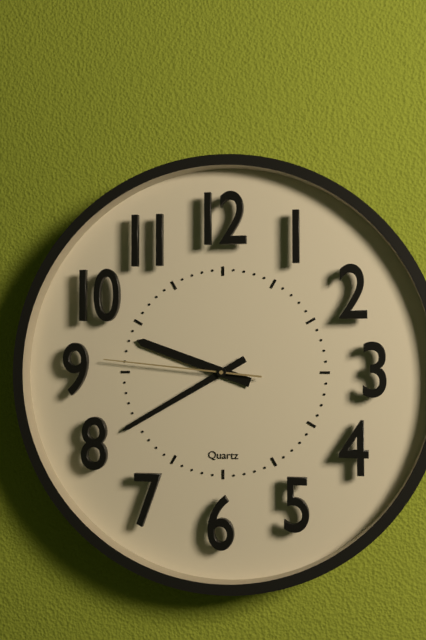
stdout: 9 h 40 min 46 s
